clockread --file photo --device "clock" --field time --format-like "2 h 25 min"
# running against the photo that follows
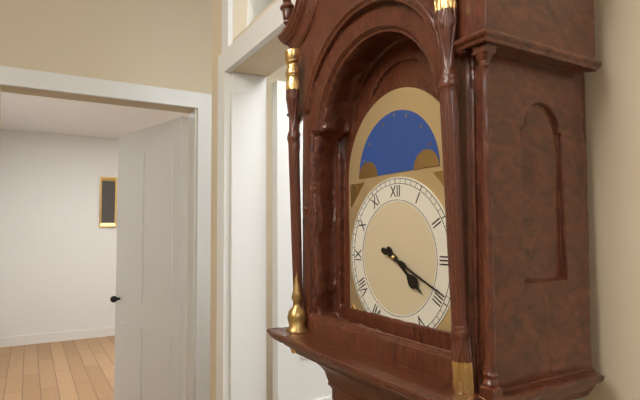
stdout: 4 h 19 min
